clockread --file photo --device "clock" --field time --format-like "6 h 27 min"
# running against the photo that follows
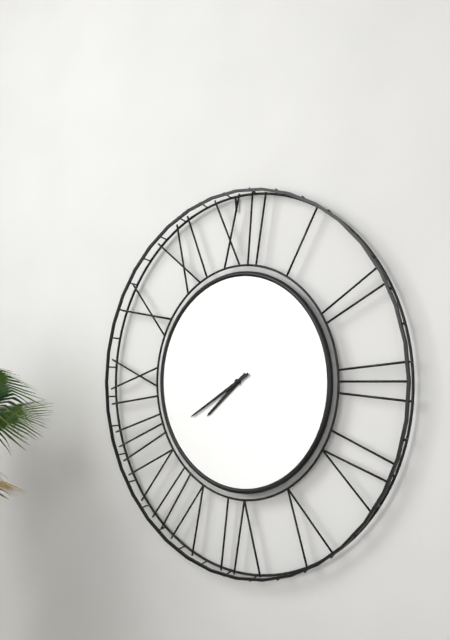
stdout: 7 h 40 min
